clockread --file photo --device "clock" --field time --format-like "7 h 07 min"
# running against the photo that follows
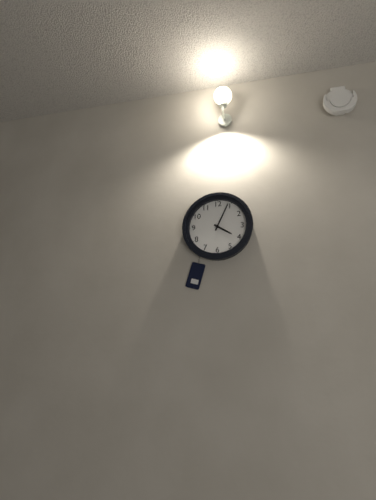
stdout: 4 h 04 min
